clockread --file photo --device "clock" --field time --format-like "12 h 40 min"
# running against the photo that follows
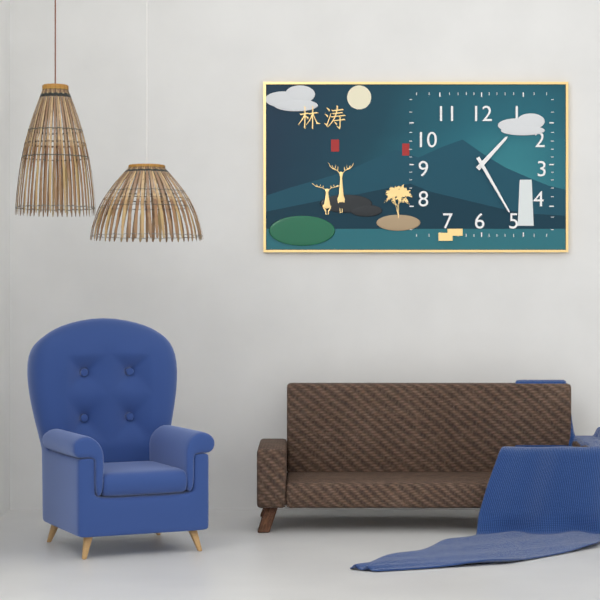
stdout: 1 h 25 min
